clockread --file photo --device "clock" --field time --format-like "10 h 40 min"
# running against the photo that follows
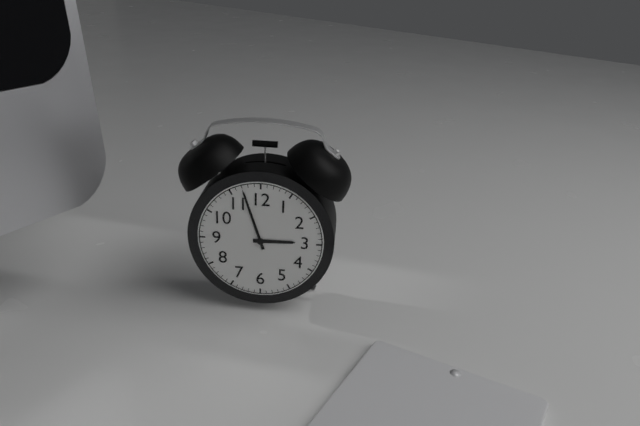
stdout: 2 h 57 min
